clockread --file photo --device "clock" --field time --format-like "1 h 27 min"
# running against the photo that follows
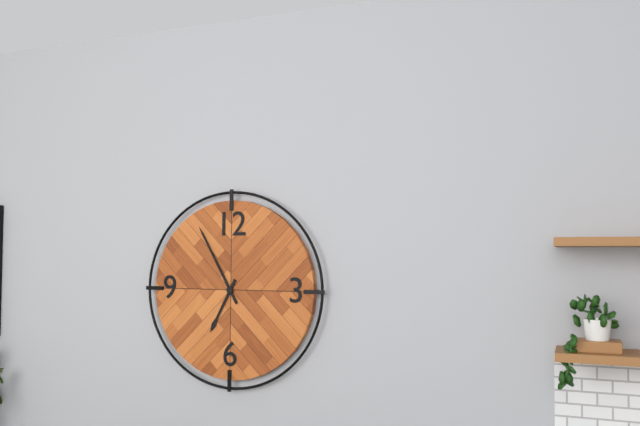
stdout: 6 h 55 min
